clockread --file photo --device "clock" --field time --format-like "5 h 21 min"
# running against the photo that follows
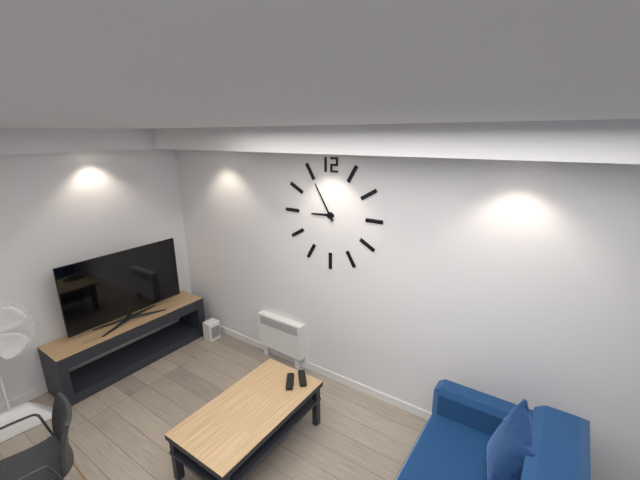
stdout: 8 h 55 min
